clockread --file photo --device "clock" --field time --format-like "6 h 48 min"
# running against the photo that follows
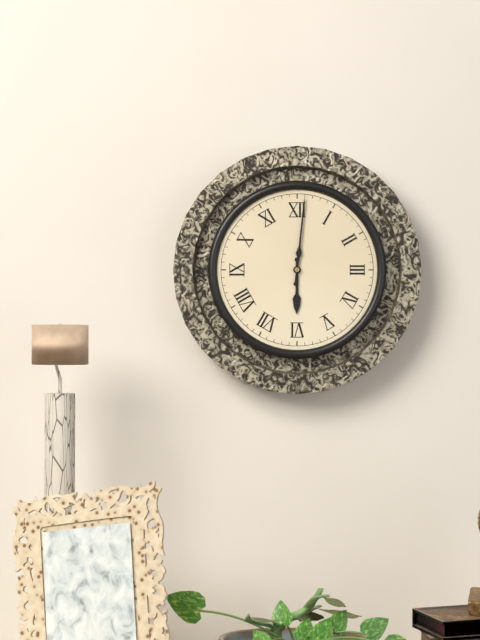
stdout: 6 h 01 min
